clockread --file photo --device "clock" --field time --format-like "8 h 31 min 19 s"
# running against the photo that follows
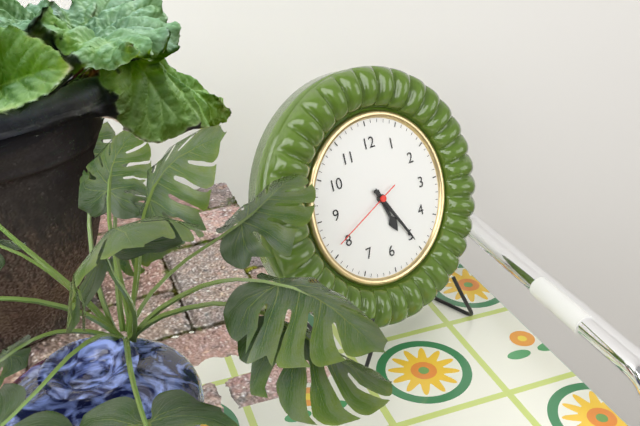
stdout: 5 h 25 min 41 s
